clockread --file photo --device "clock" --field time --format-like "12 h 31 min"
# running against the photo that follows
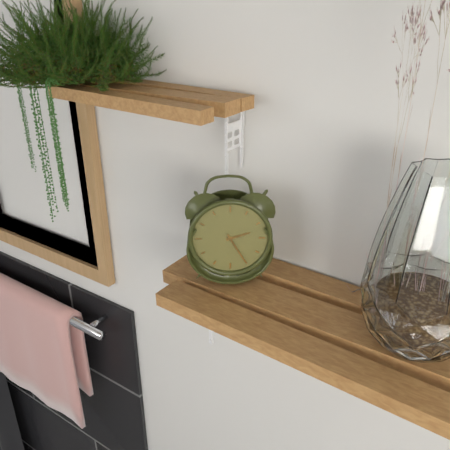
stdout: 2 h 25 min
